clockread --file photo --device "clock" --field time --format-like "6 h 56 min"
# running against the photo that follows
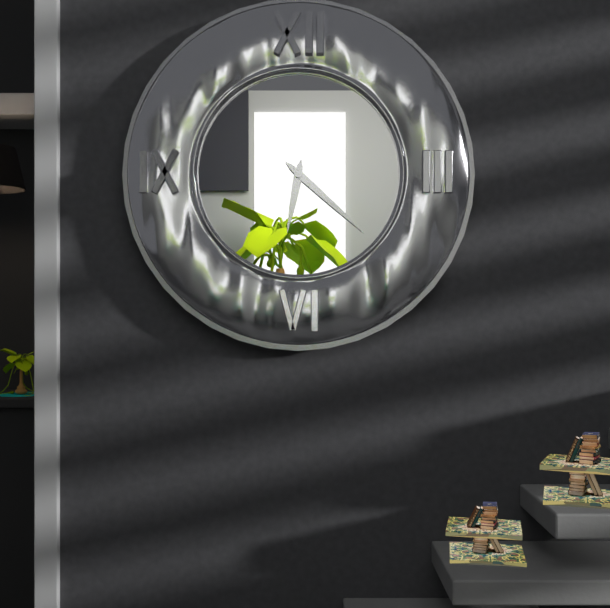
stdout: 6 h 22 min
